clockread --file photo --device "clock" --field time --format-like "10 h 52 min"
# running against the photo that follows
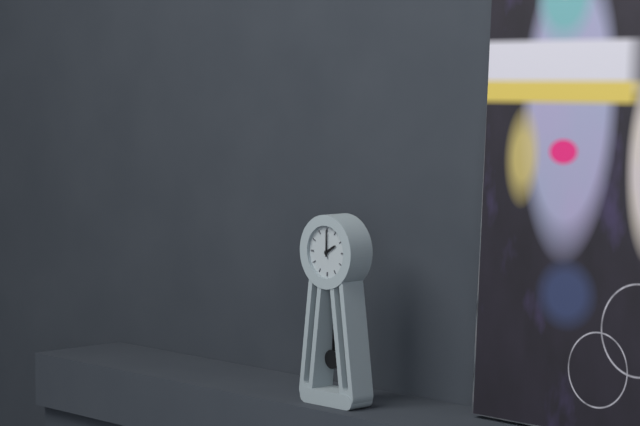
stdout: 2 h 00 min
